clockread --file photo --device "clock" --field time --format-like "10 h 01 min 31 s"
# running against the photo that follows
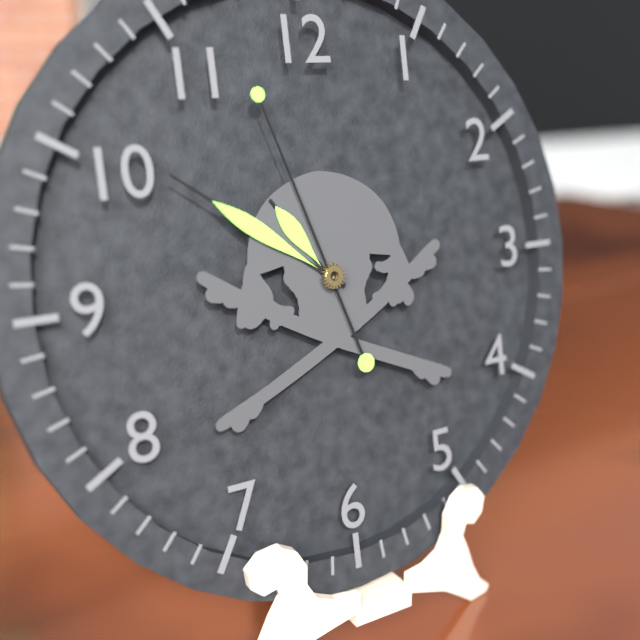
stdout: 10 h 51 min 57 s
